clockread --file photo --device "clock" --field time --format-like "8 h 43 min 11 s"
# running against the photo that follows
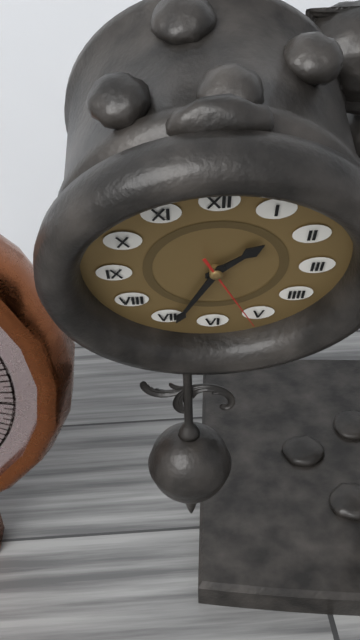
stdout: 1 h 34 min 26 s
